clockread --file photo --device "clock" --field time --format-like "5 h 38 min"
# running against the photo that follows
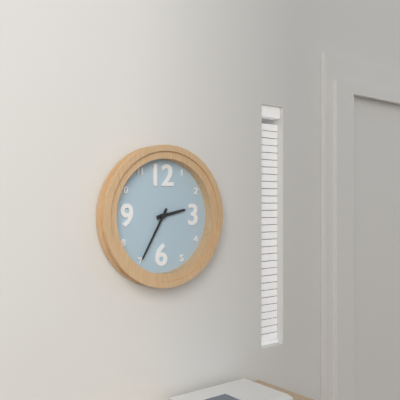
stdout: 2 h 35 min
